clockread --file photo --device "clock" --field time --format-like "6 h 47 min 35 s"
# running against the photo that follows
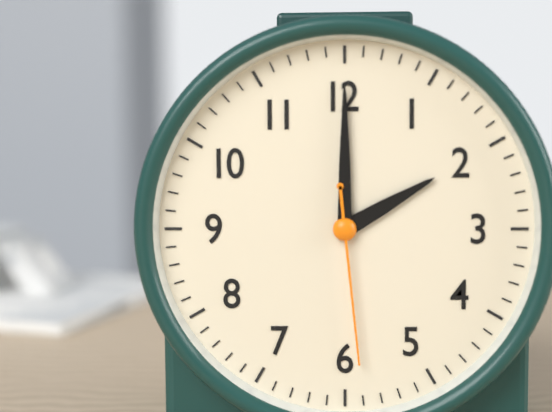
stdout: 2 h 00 min 29 s
